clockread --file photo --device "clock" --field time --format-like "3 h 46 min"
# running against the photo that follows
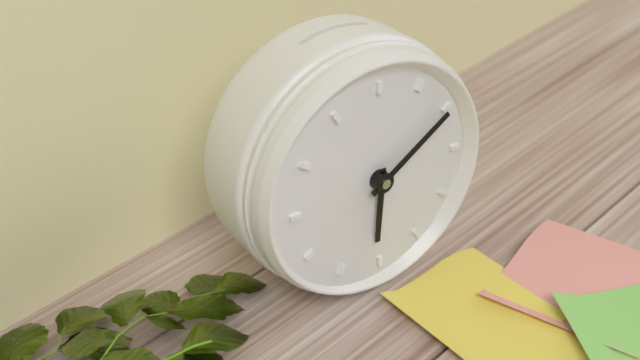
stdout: 6 h 10 min
